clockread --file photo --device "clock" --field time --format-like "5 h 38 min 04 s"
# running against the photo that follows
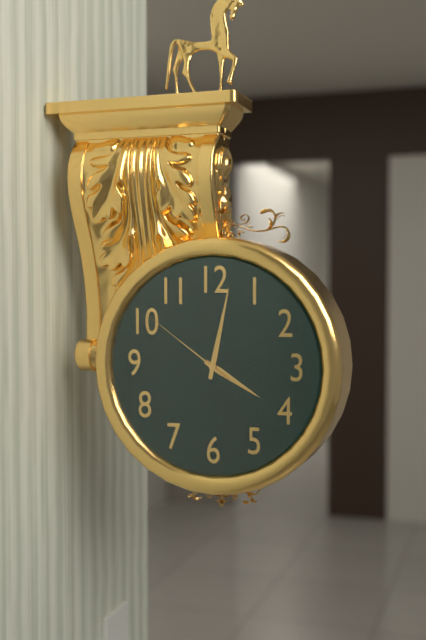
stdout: 4 h 02 min 51 s
